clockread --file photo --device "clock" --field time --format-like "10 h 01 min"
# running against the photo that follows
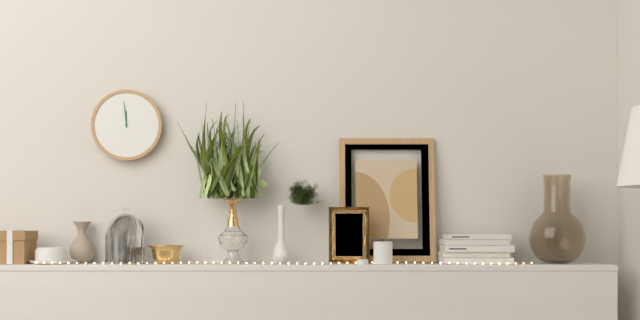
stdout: 11 h 59 min
